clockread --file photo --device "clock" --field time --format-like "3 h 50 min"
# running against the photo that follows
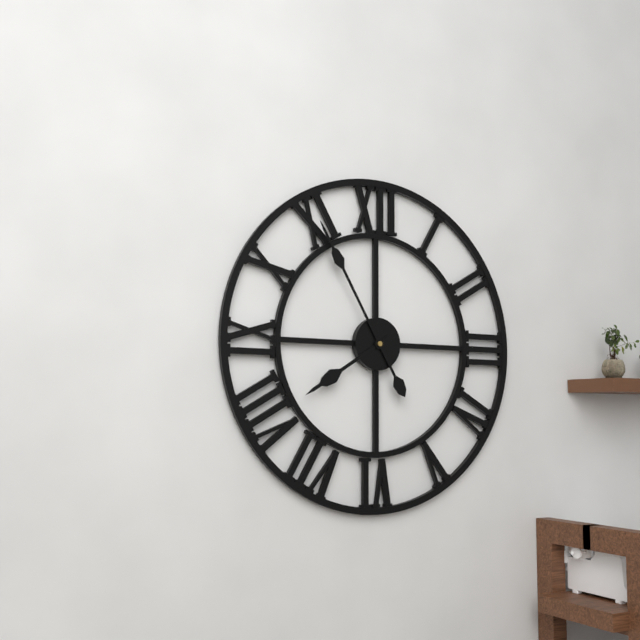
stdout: 7 h 55 min
